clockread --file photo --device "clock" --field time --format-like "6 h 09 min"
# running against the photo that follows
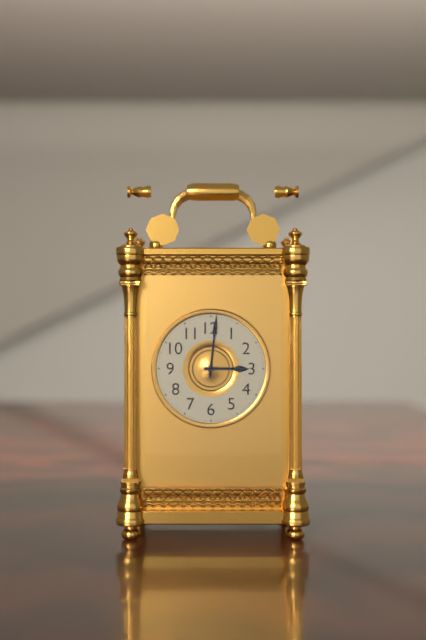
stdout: 3 h 01 min
